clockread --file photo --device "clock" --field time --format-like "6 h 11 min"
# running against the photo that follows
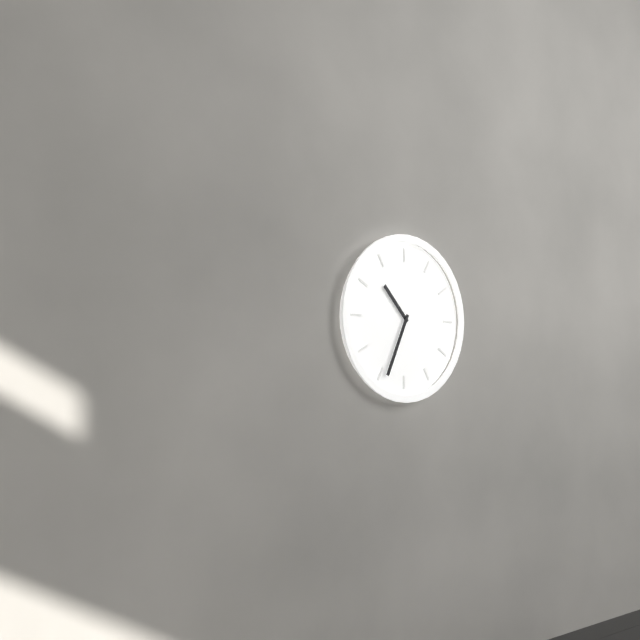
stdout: 10 h 34 min
